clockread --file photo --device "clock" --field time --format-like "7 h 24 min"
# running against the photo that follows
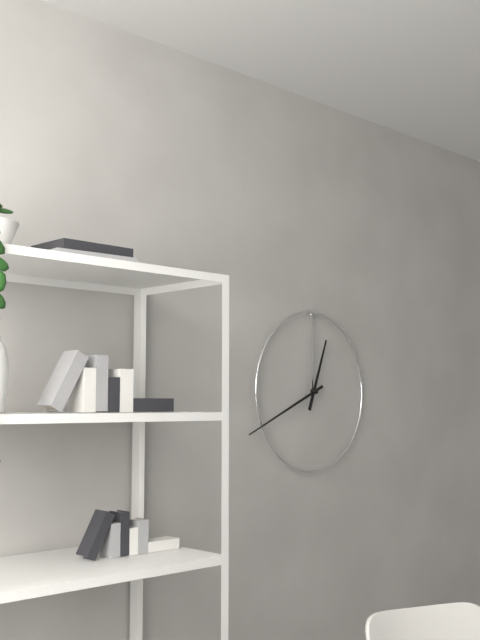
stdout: 12 h 41 min
